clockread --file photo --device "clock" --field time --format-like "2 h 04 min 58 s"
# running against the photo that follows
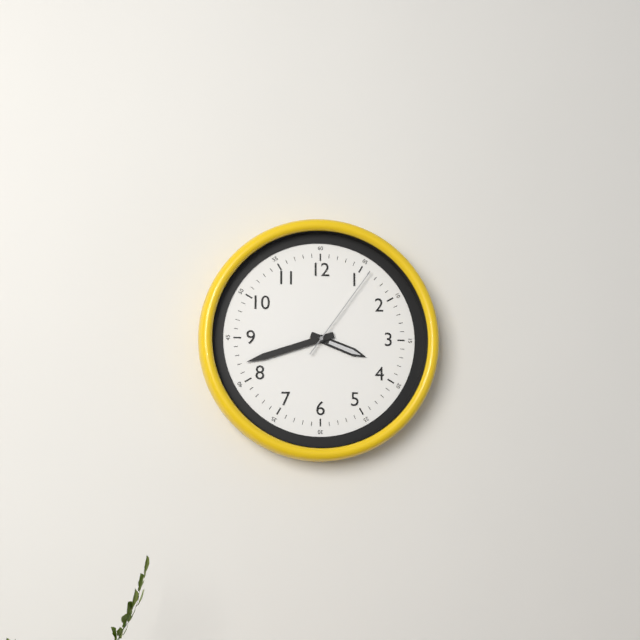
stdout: 3 h 42 min 06 s
